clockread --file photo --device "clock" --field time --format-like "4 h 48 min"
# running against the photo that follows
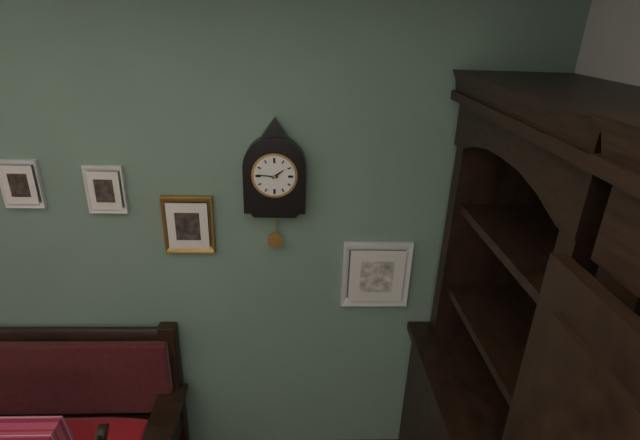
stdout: 1 h 46 min
